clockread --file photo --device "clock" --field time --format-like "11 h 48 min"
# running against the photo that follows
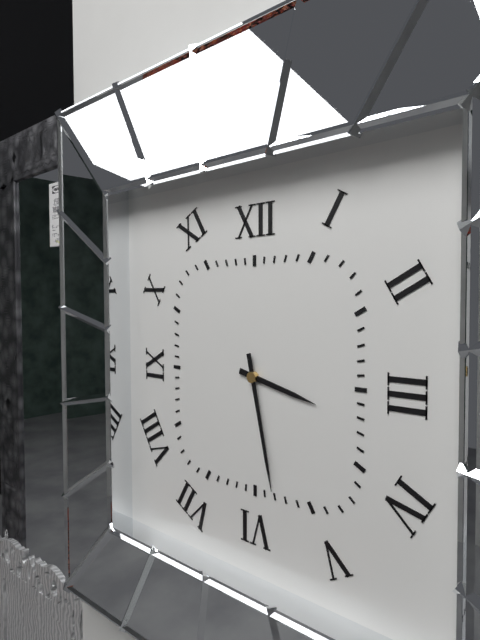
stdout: 3 h 28 min
